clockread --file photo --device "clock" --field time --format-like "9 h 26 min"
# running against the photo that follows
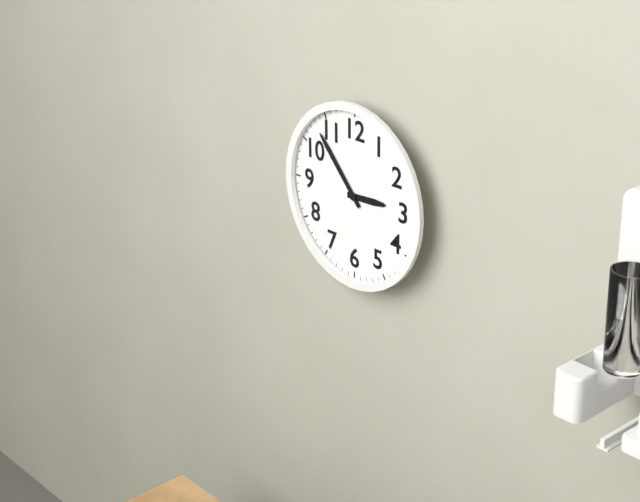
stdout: 2 h 53 min
